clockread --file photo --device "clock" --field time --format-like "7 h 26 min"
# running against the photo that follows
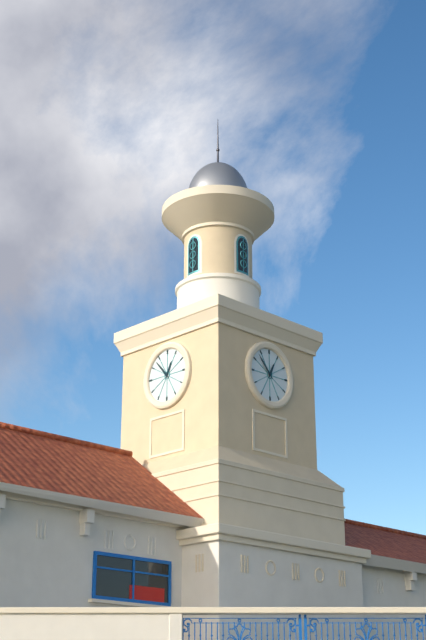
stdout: 12 h 53 min
